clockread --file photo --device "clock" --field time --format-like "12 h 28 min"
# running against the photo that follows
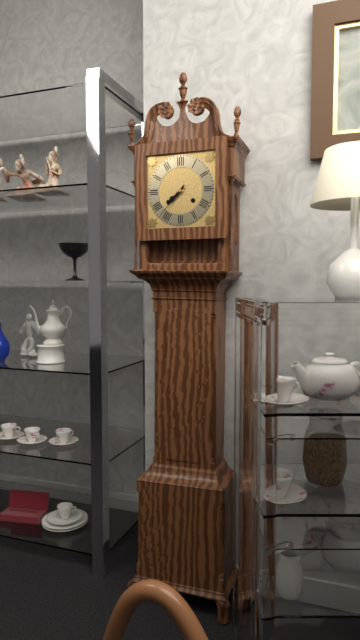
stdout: 7 h 37 min
